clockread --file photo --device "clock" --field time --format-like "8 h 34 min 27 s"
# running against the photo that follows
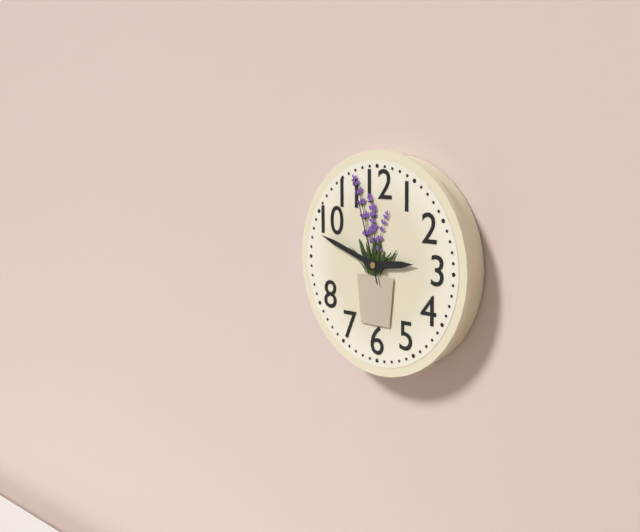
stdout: 2 h 48 min 57 s
